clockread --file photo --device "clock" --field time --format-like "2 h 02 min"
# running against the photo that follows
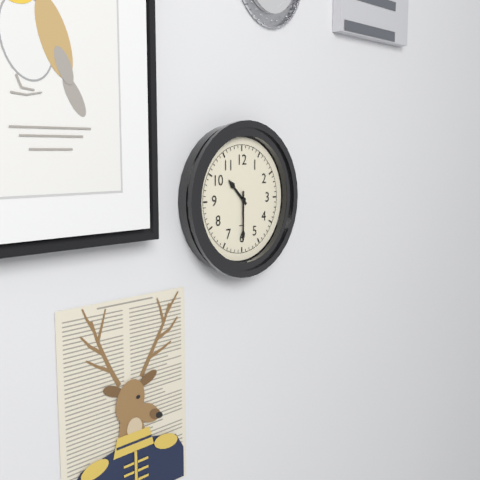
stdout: 10 h 30 min
